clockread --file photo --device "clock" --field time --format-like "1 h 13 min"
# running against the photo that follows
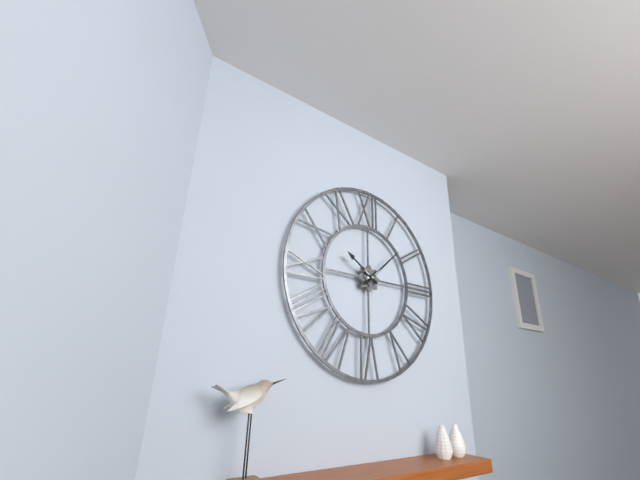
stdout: 10 h 08 min
